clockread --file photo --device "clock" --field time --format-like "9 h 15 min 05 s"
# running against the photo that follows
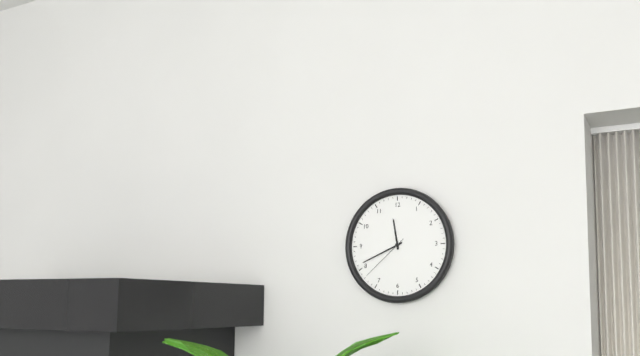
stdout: 11 h 41 min 38 s
